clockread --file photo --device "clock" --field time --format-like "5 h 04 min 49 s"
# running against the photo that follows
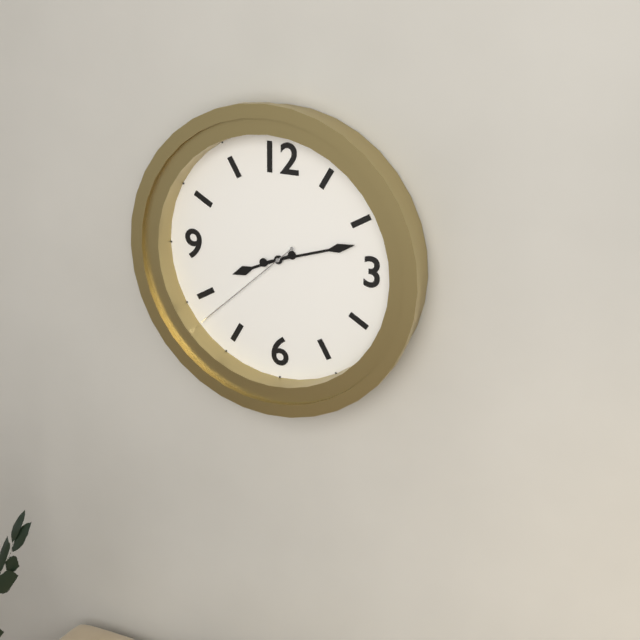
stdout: 8 h 12 min 38 s
